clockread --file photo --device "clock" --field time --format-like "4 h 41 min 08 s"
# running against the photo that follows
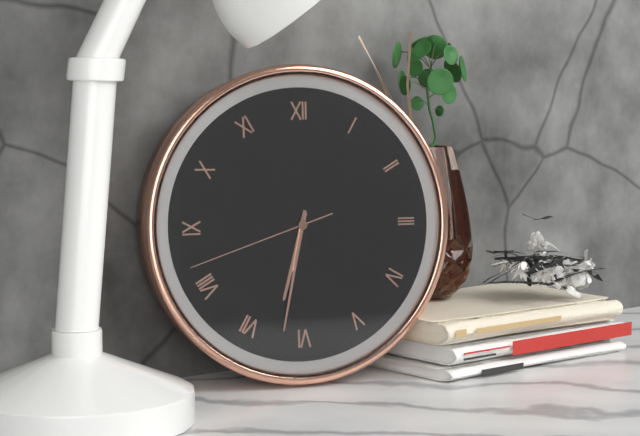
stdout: 6 h 32 min 42 s
